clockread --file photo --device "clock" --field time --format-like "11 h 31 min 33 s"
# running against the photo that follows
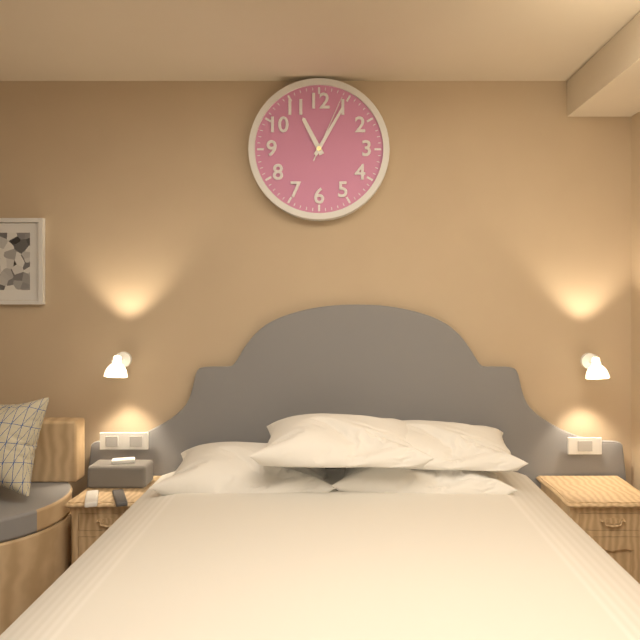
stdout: 11 h 05 min 04 s
